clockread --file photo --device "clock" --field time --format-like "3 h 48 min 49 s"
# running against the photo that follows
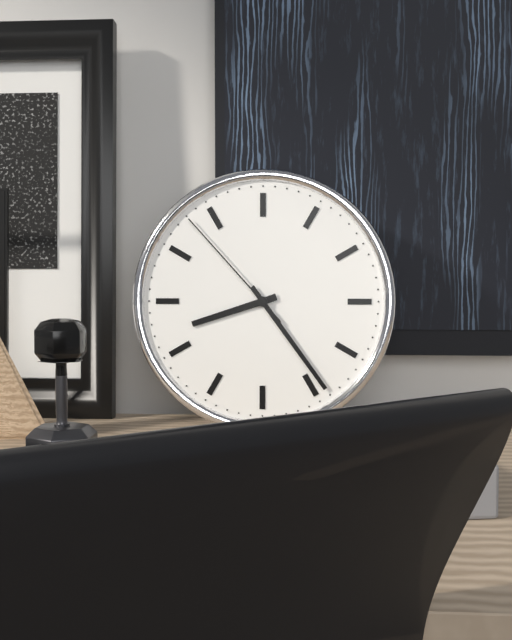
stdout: 8 h 24 min 53 s
